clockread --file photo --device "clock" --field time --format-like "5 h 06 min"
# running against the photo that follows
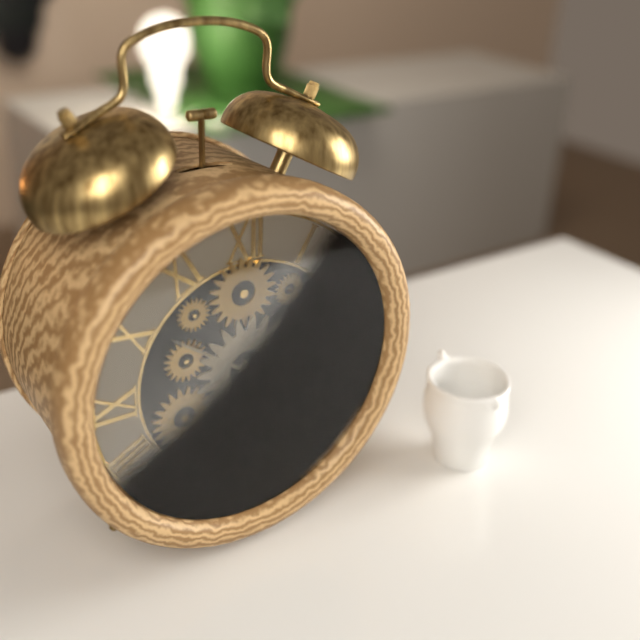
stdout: 4 h 51 min
